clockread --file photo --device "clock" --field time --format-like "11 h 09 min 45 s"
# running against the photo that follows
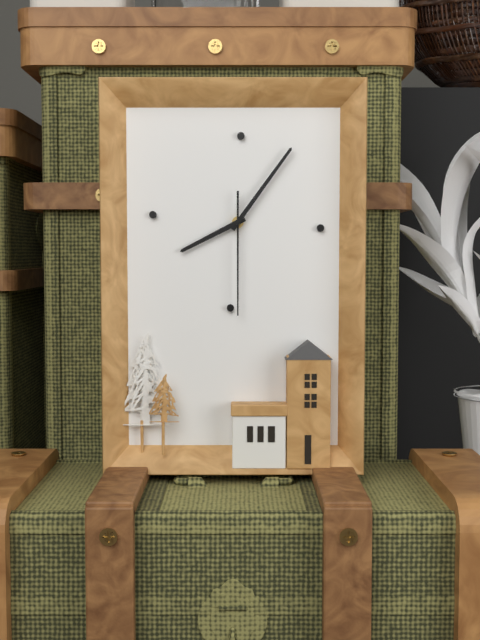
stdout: 8 h 06 min 30 s
